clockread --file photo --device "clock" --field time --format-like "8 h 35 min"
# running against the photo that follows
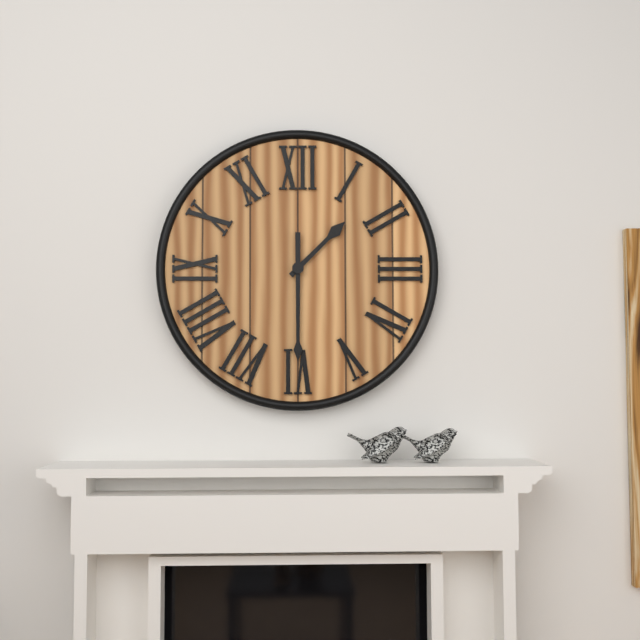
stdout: 1 h 30 min
